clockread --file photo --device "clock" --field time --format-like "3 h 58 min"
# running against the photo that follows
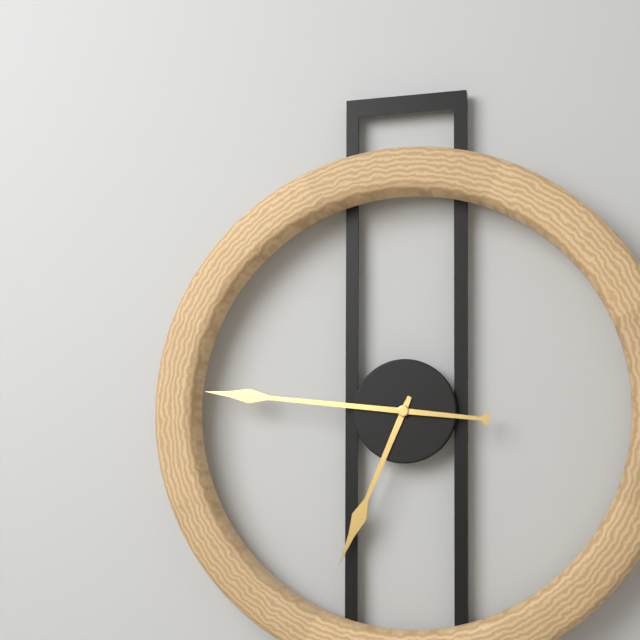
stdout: 6 h 46 min
